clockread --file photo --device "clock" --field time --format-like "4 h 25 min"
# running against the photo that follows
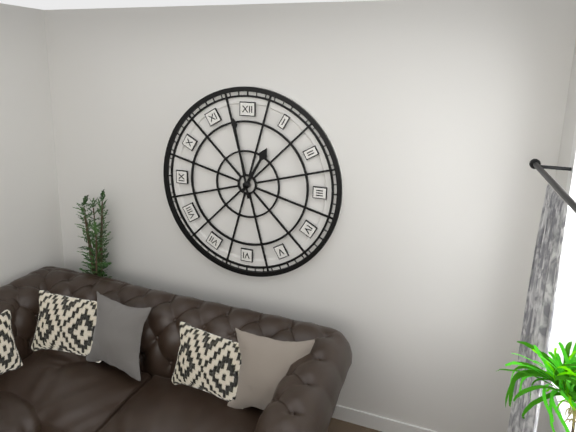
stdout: 12 h 58 min
